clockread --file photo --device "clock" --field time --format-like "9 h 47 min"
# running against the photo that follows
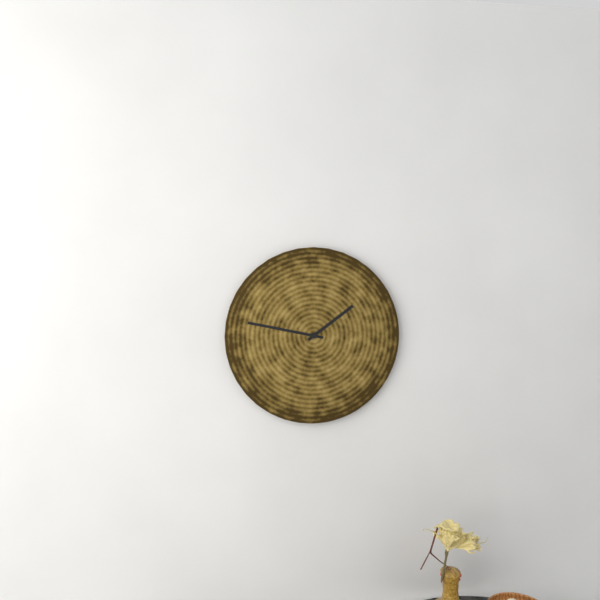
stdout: 1 h 47 min
